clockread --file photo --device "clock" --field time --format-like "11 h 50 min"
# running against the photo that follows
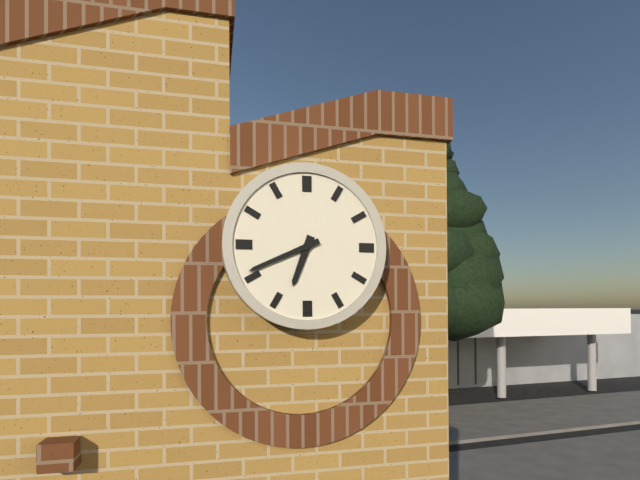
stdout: 6 h 41 min
